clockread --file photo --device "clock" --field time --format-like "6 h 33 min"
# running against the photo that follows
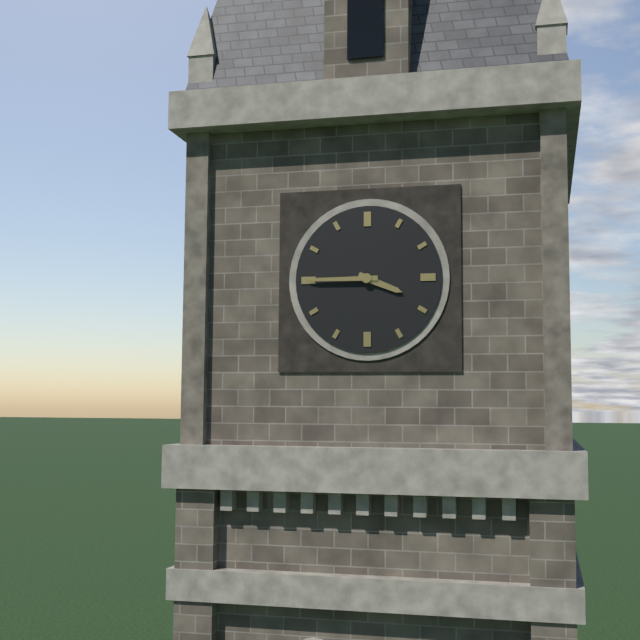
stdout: 3 h 45 min
